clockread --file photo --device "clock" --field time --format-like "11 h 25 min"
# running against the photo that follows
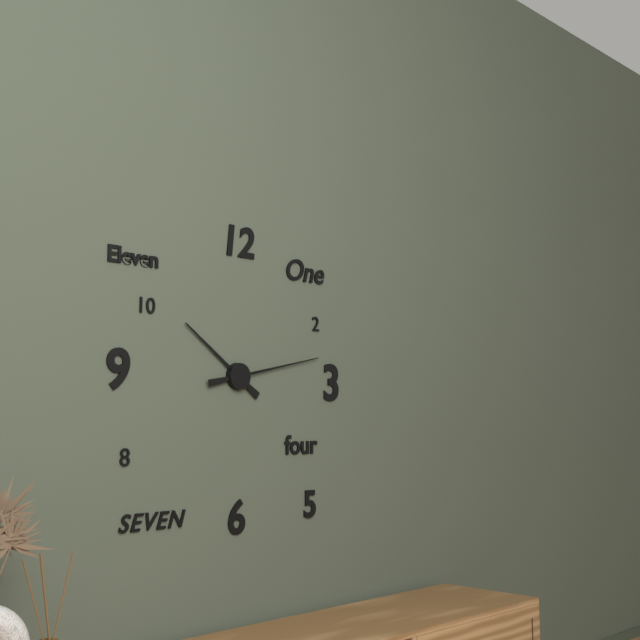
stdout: 10 h 13 min
